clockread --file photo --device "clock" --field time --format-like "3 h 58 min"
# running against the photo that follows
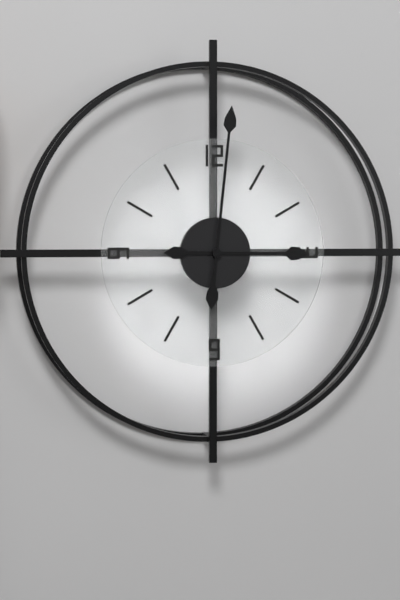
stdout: 3 h 01 min
